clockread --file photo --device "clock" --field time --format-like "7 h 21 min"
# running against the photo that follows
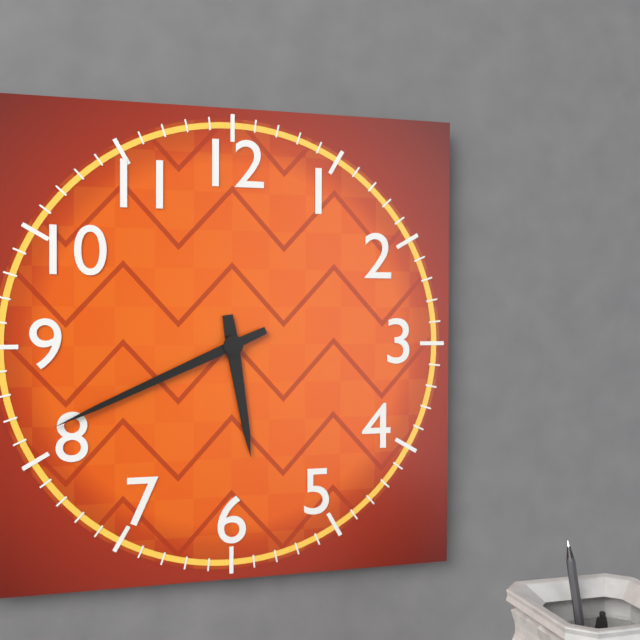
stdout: 5 h 41 min
